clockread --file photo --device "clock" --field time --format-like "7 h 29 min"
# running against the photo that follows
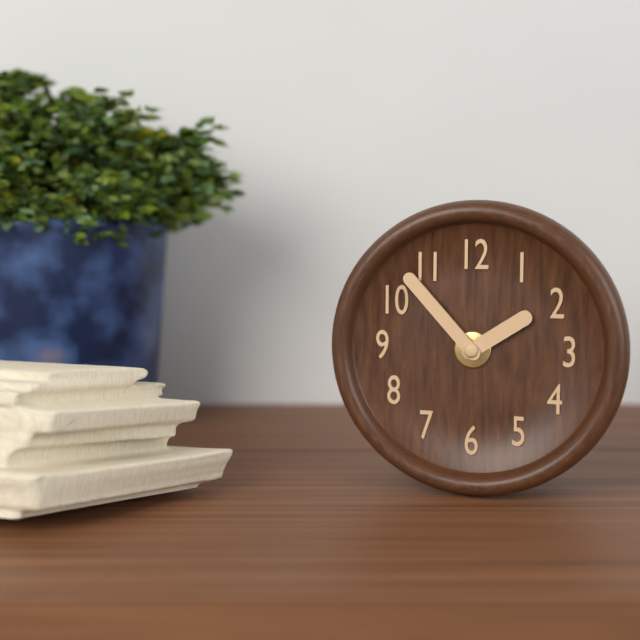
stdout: 1 h 53 min
